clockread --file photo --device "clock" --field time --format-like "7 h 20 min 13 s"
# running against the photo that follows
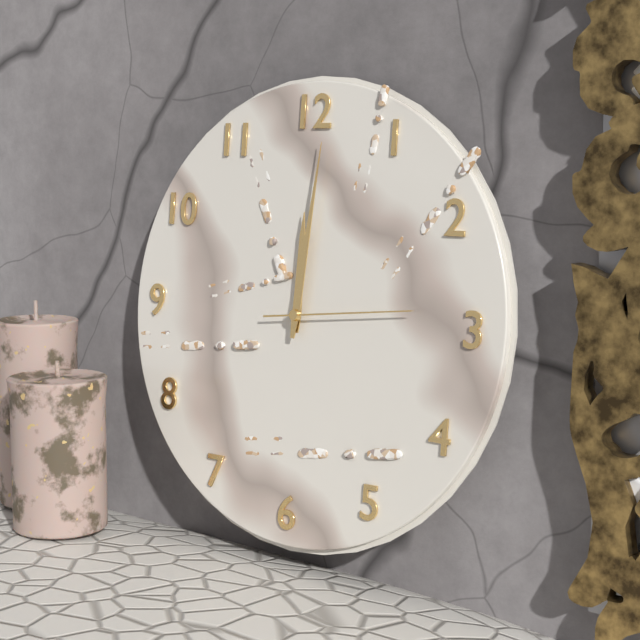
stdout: 12 h 01 min 14 s
